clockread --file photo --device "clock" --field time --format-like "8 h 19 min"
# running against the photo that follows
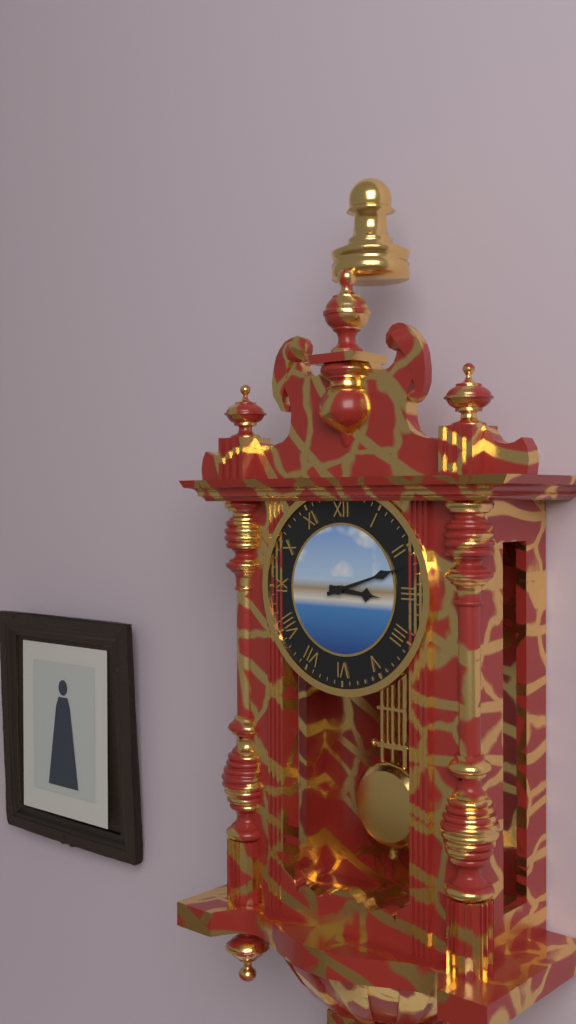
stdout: 3 h 12 min
